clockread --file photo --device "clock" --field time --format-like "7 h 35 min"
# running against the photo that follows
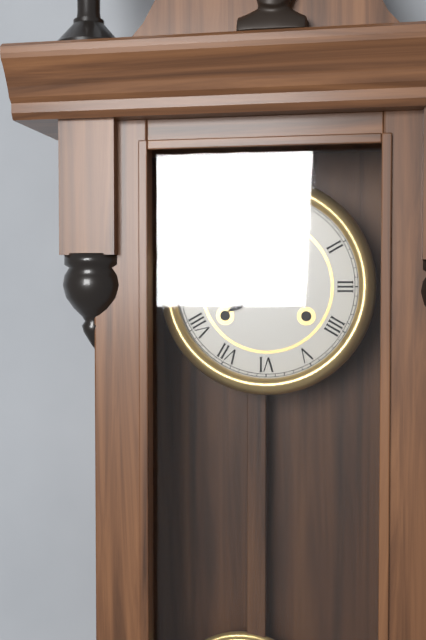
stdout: 7 h 54 min
